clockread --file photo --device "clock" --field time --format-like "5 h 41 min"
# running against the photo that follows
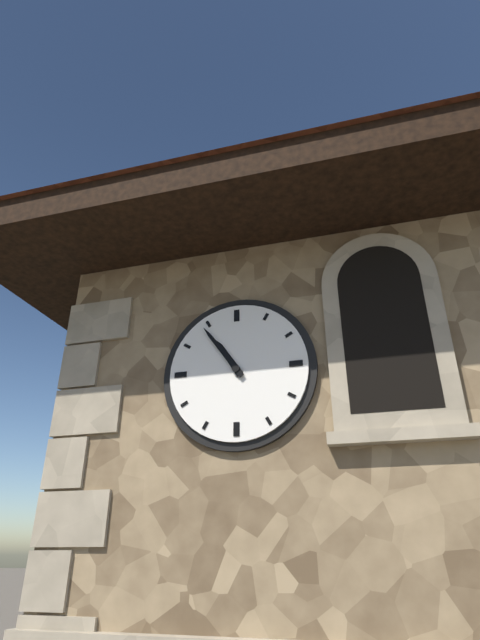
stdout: 10 h 54 min
